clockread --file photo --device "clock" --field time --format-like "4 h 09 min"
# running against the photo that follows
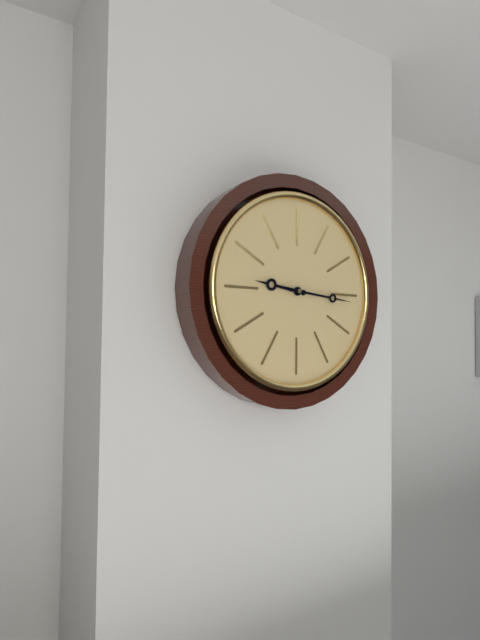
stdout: 9 h 16 min
